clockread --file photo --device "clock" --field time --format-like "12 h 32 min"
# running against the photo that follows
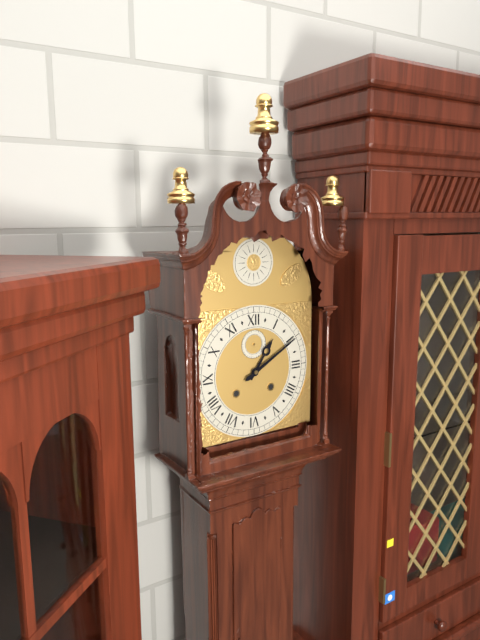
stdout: 1 h 10 min
